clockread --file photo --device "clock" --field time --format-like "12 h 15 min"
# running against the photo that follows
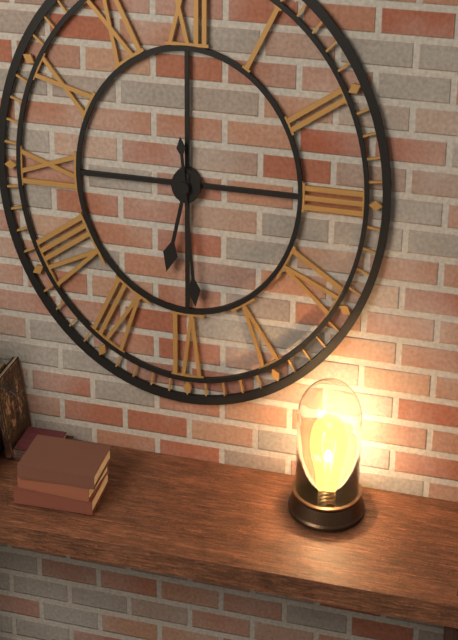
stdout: 6 h 29 min
